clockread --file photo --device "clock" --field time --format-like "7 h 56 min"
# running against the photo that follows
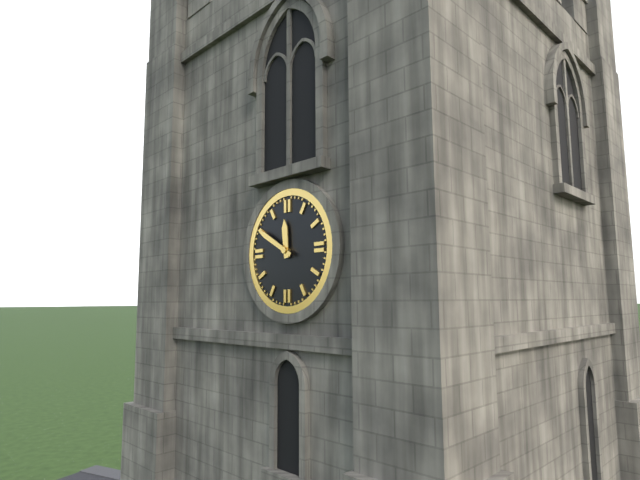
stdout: 11 h 50 min
